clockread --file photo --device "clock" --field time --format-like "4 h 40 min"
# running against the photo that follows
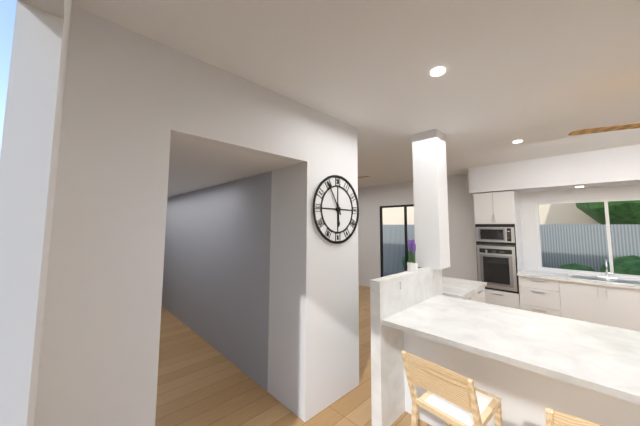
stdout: 5 h 55 min
